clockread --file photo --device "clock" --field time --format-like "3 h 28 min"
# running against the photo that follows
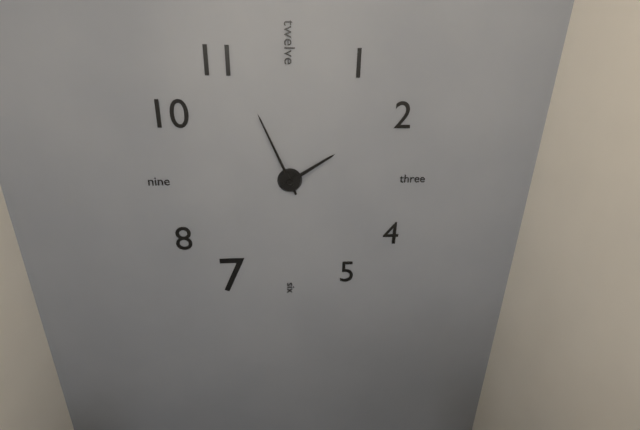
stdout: 1 h 56 min
